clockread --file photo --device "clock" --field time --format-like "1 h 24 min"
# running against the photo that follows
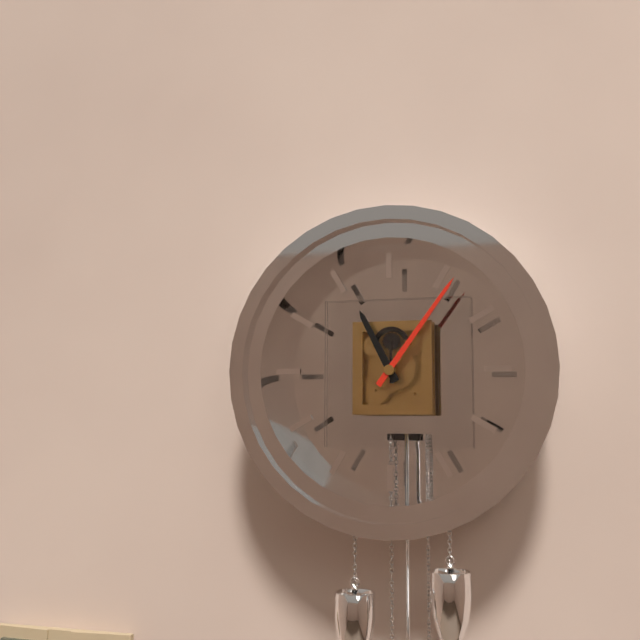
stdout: 11 h 06 min
